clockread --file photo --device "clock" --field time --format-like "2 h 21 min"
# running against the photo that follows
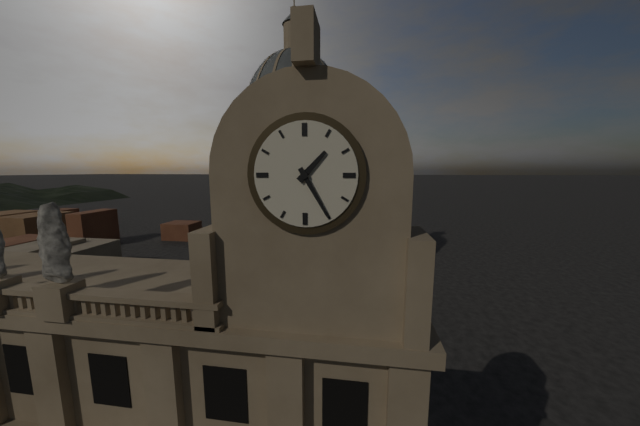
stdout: 1 h 25 min
